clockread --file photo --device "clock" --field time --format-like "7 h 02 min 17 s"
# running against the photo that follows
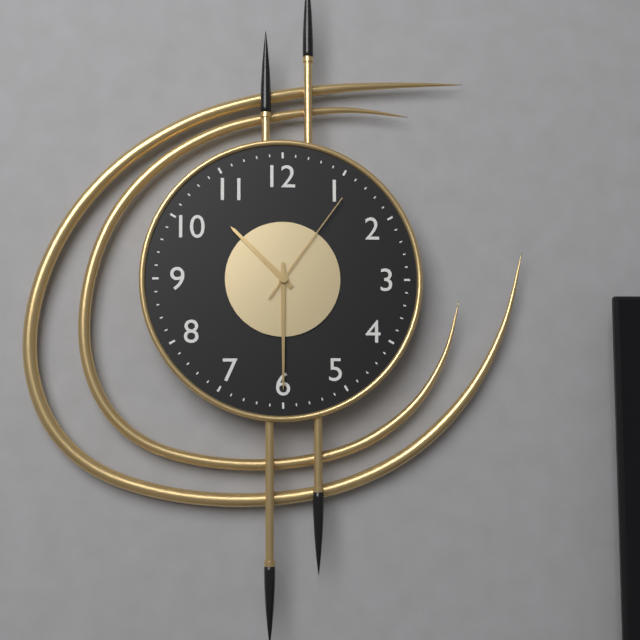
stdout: 10 h 30 min 06 s
